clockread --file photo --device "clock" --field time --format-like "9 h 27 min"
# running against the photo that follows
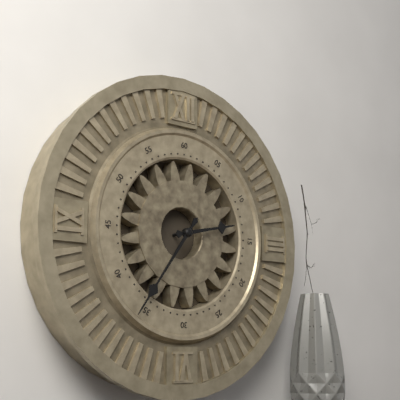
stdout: 2 h 36 min
